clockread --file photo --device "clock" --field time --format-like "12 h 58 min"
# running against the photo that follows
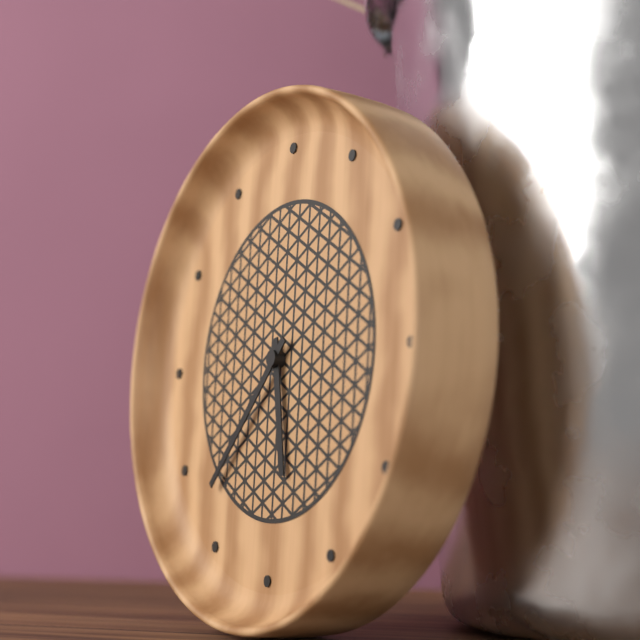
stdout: 5 h 37 min
